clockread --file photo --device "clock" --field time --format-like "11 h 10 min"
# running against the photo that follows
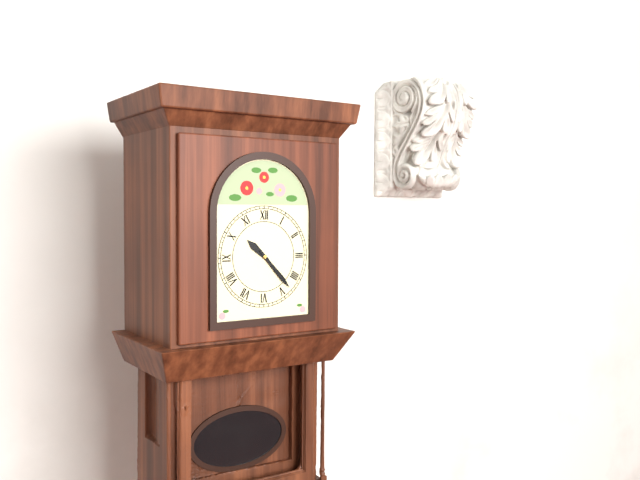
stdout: 10 h 23 min
